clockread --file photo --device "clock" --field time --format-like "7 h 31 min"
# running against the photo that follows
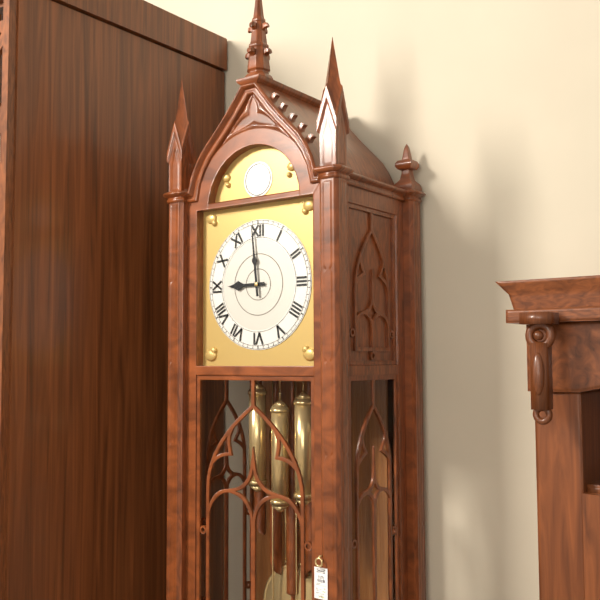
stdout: 8 h 59 min
